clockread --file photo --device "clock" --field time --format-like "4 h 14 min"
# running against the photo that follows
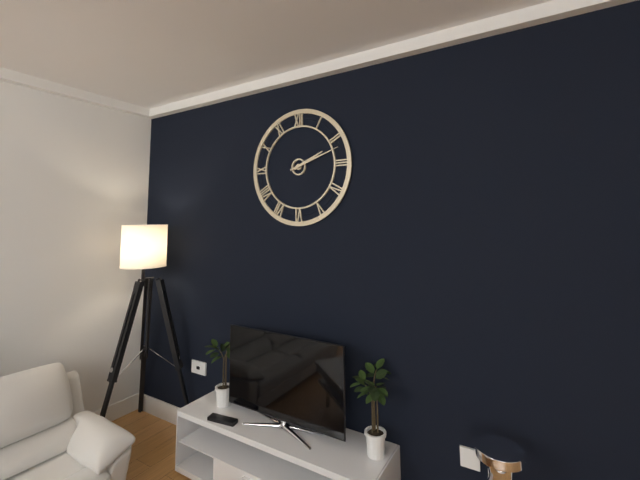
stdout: 2 h 12 min
